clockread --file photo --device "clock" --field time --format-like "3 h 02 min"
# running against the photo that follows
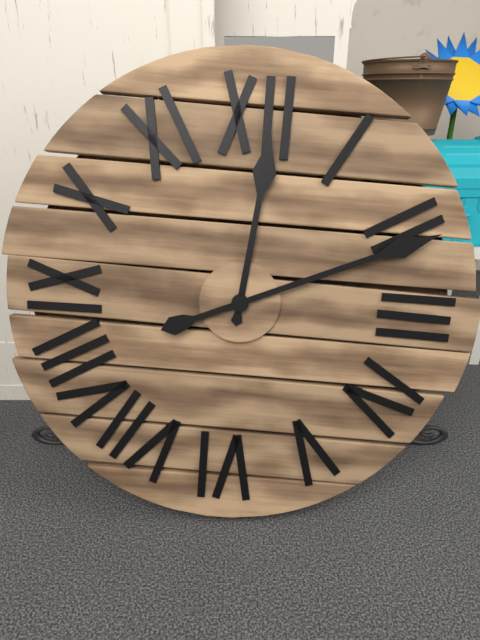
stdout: 12 h 11 min
